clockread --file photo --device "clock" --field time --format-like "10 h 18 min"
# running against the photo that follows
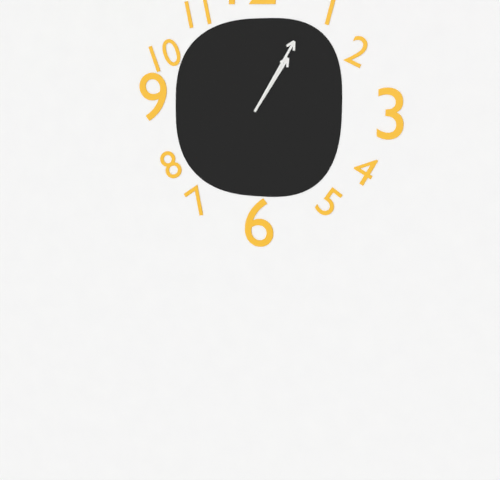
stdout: 1 h 05 min
